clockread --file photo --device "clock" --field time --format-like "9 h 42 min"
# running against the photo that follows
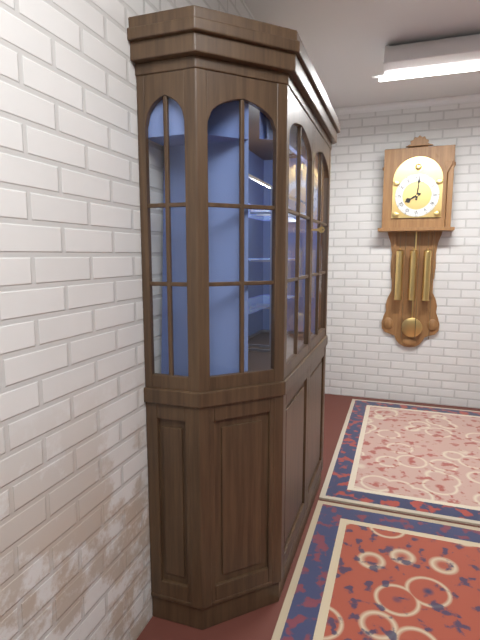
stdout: 8 h 01 min
